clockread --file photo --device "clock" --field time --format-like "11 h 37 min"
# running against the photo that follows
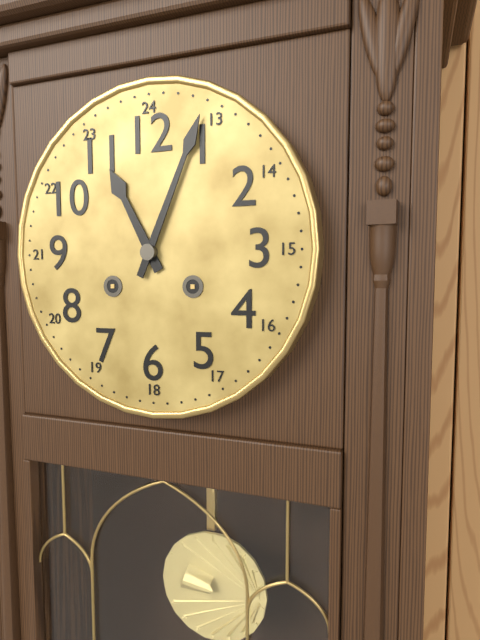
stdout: 11 h 04 min
